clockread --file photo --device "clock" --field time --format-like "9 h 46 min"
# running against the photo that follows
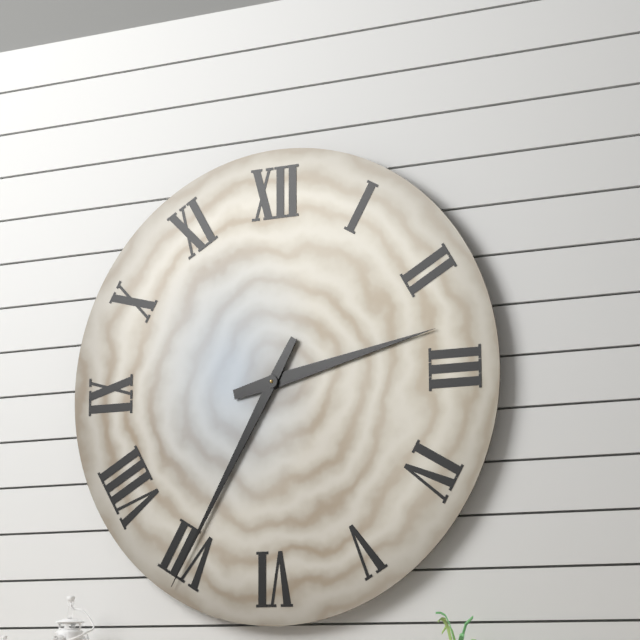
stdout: 2 h 35 min
